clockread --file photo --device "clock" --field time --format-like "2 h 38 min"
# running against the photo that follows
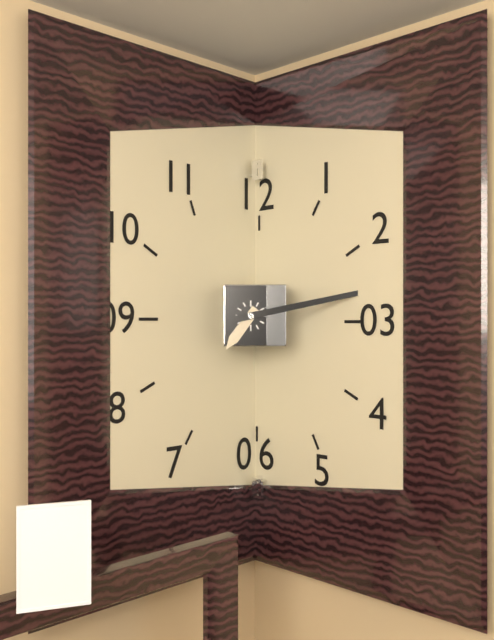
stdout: 7 h 13 min
